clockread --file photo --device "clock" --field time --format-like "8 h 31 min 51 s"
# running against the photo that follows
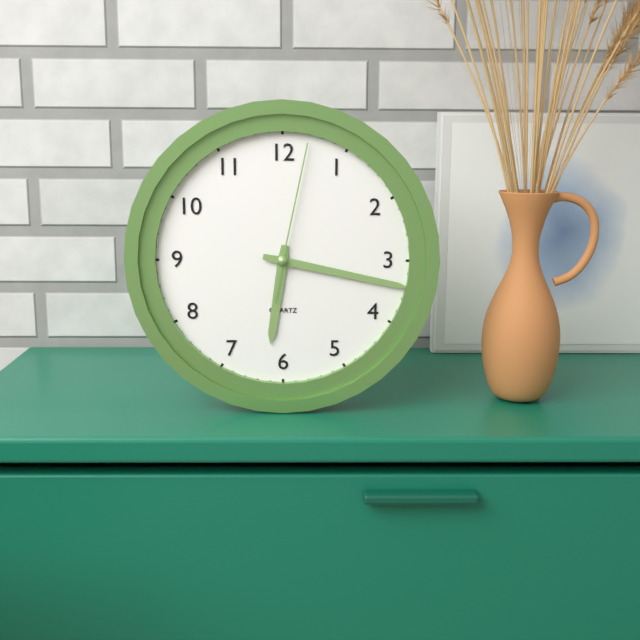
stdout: 6 h 17 min 02 s
